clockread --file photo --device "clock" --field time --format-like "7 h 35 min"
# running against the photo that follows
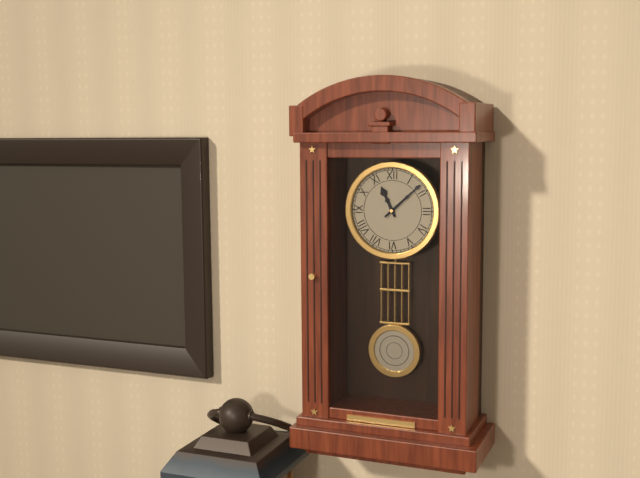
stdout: 11 h 08 min
